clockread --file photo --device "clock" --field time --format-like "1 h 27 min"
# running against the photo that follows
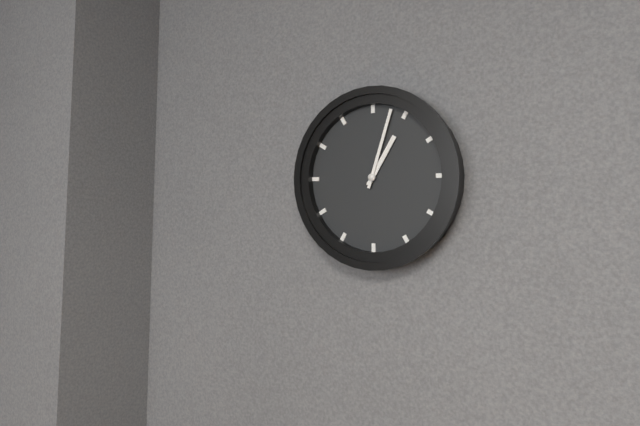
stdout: 1 h 03 min
